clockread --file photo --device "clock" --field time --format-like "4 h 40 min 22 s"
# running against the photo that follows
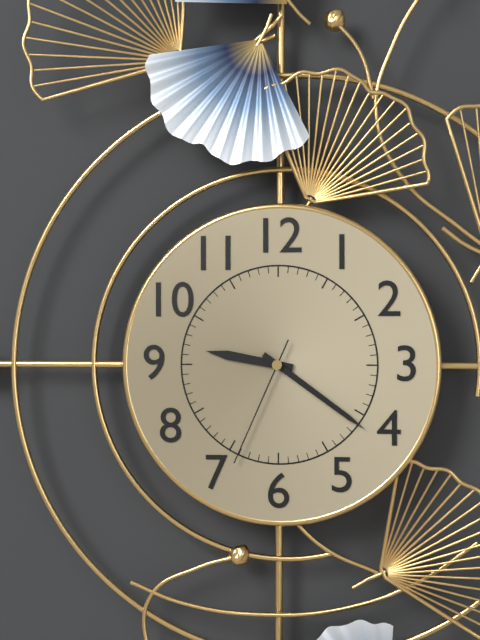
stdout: 9 h 21 min 34 s
